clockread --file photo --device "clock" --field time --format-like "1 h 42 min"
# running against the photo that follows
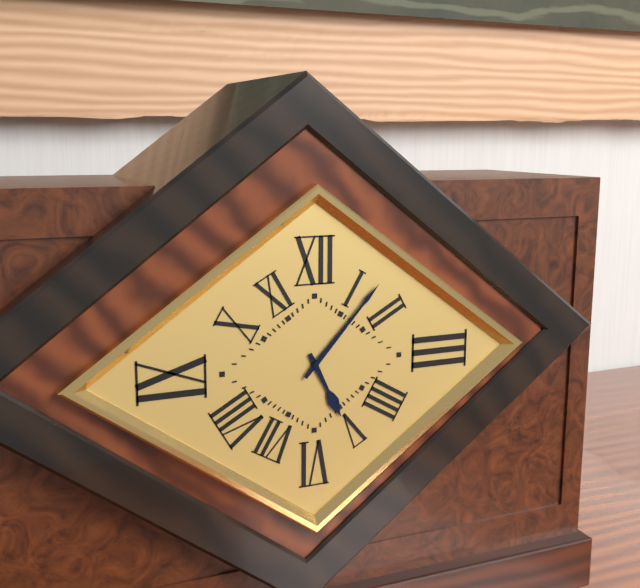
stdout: 5 h 07 min
